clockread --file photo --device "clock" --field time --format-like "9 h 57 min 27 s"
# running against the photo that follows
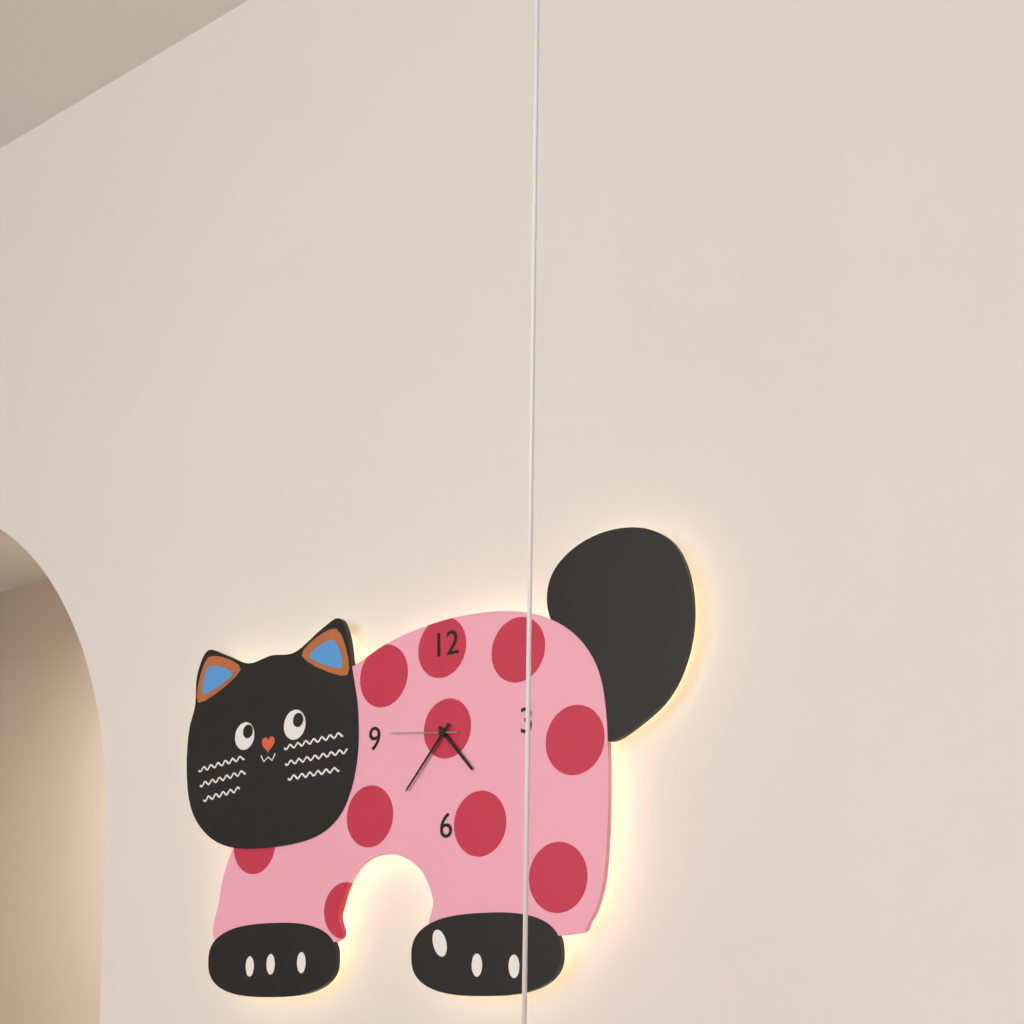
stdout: 4 h 37 min 46 s
